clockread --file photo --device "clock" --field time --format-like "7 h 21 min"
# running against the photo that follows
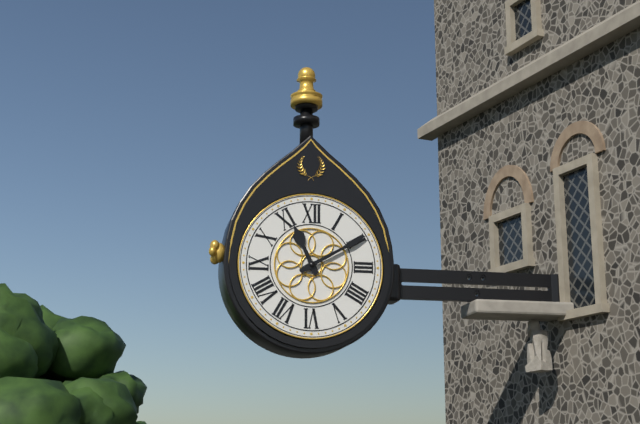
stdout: 11 h 10 min
